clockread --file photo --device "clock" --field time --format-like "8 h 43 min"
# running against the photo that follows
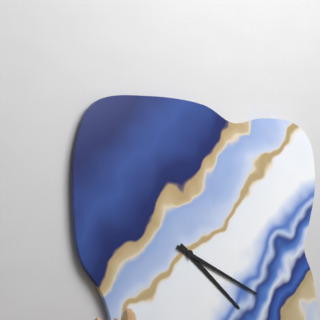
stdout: 4 h 19 min
